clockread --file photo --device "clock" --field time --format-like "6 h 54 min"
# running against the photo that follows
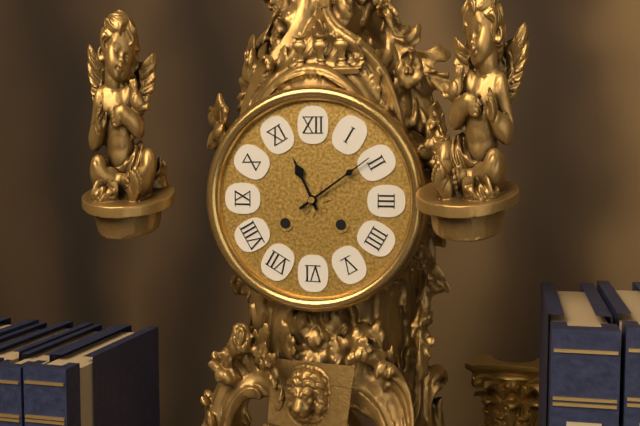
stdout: 11 h 09 min
